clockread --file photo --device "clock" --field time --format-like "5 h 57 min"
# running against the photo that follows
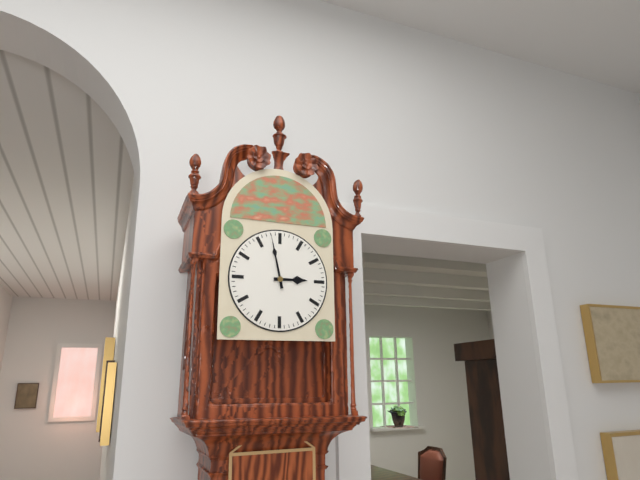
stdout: 2 h 58 min
